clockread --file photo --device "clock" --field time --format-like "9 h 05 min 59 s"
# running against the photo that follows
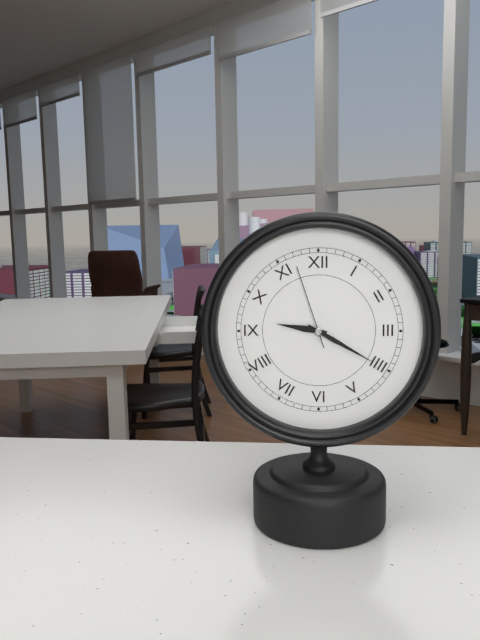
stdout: 9 h 20 min 57 s
